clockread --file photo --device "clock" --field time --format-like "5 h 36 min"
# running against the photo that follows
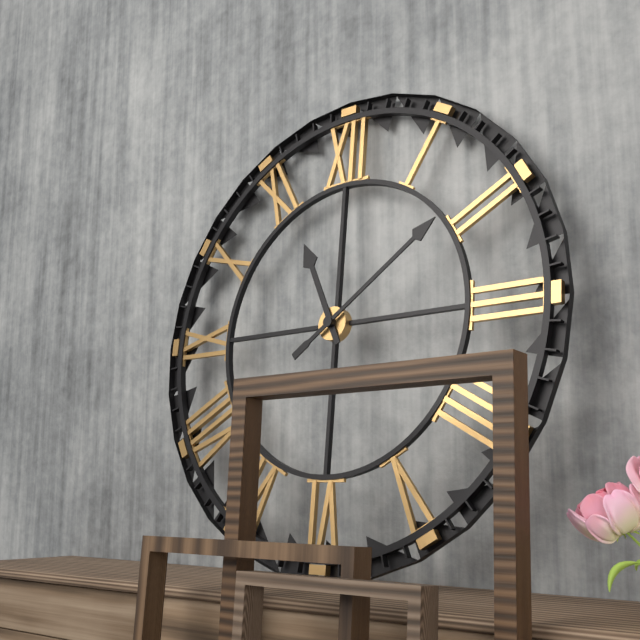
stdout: 11 h 09 min
